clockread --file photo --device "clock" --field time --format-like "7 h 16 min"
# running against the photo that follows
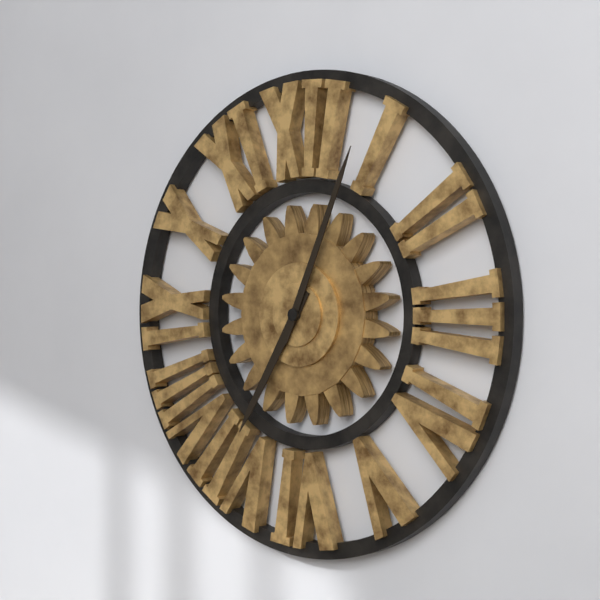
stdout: 7 h 04 min
